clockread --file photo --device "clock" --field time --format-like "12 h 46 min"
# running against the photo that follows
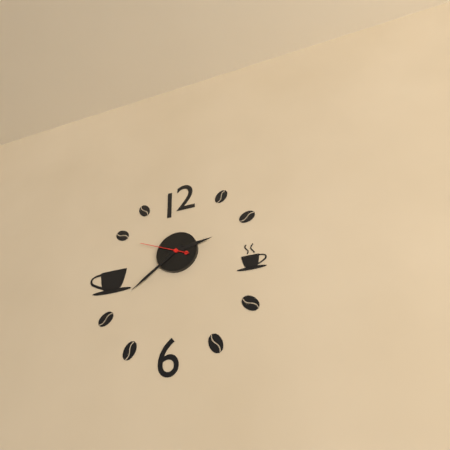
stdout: 2 h 39 min
